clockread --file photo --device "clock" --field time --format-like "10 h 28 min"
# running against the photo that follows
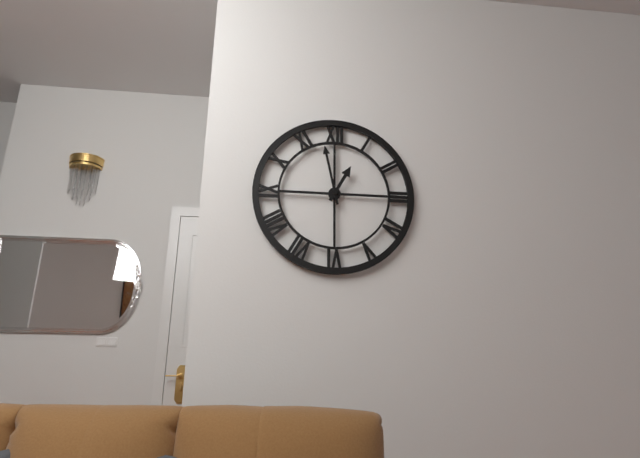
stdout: 12 h 58 min
